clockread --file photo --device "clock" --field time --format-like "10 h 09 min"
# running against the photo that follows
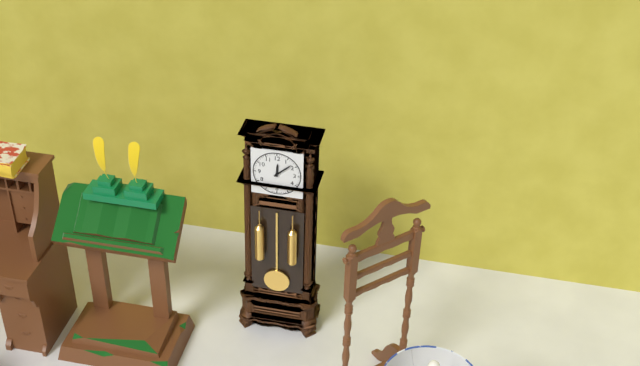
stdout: 12 h 08 min
